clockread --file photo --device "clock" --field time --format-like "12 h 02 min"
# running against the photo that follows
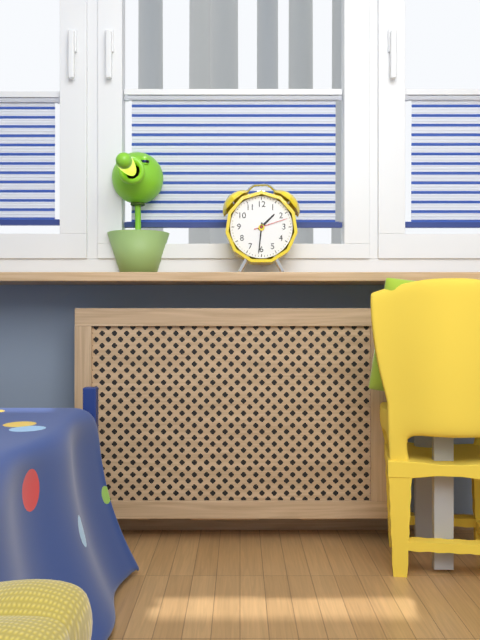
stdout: 1 h 31 min
